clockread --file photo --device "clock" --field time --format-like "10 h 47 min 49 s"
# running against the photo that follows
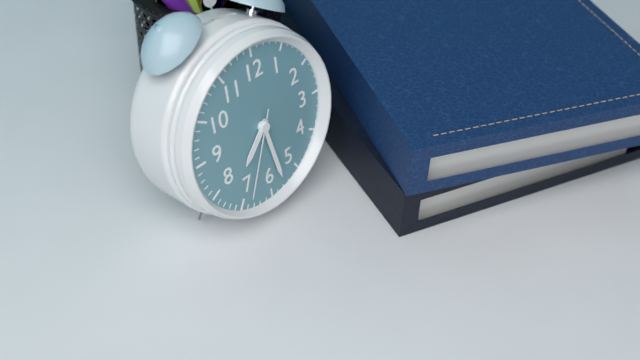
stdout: 7 h 28 min 34 s
